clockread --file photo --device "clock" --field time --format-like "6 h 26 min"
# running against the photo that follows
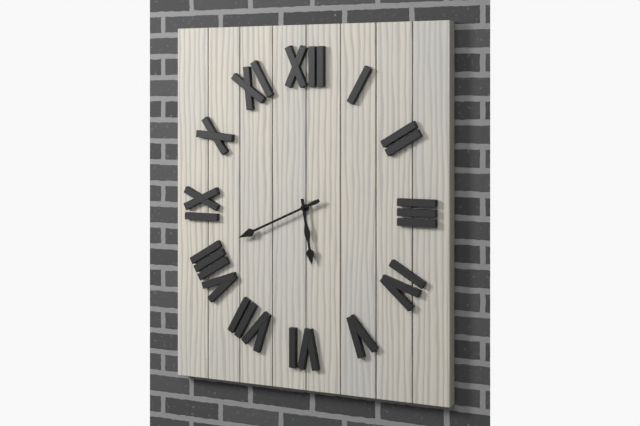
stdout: 5 h 41 min
